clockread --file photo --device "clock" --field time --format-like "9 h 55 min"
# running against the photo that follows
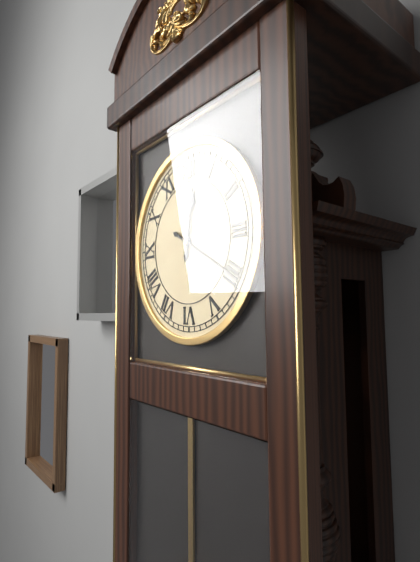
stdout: 12 h 20 min
